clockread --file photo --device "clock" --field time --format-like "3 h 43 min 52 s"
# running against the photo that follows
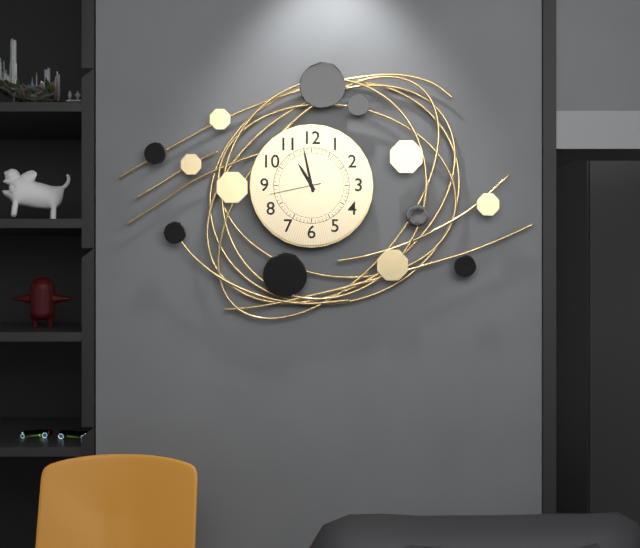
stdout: 10 h 58 min 43 s
